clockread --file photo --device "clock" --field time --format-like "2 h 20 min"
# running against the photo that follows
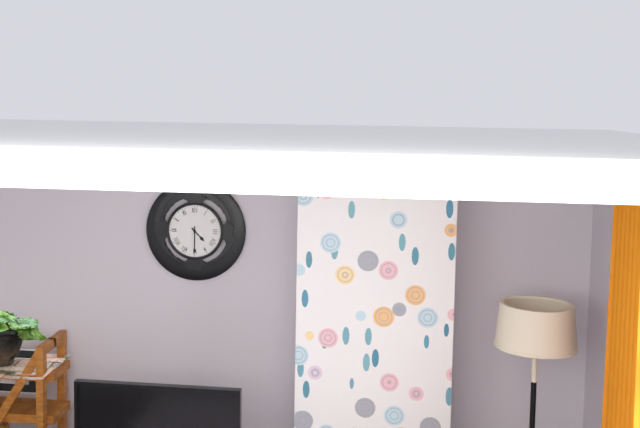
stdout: 4 h 30 min
